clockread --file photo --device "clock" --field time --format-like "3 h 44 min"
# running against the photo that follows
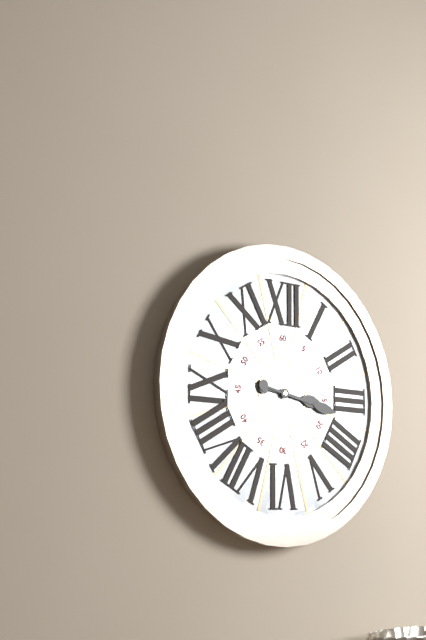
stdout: 3 h 17 min
